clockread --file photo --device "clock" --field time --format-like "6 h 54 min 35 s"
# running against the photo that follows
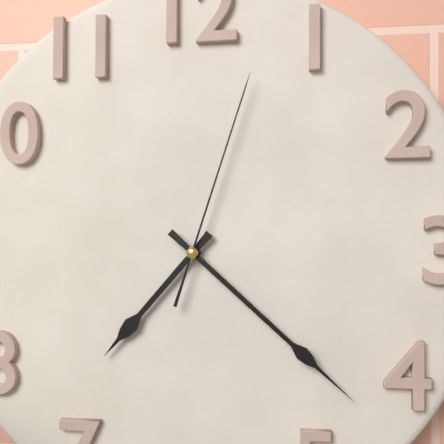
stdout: 7 h 22 min 03 s
